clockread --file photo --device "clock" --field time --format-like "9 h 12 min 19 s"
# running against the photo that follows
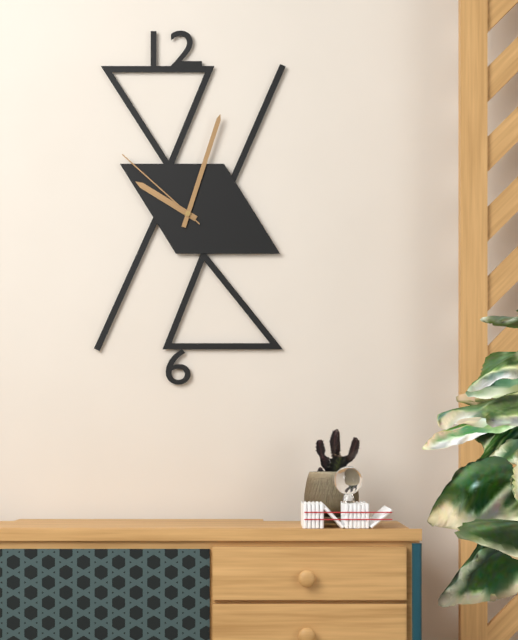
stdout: 10 h 03 min 52 s
